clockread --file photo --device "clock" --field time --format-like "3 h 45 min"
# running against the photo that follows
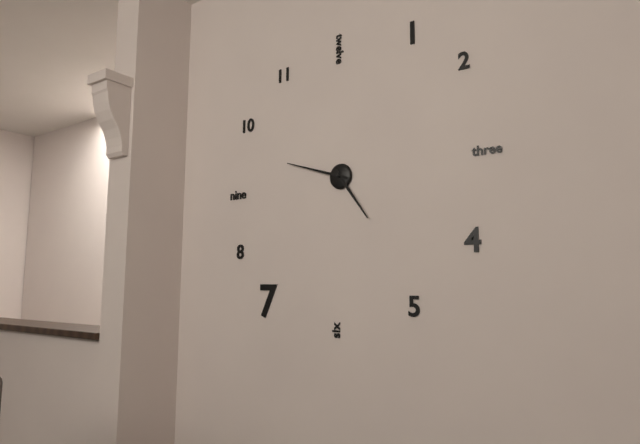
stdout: 4 h 48 min
